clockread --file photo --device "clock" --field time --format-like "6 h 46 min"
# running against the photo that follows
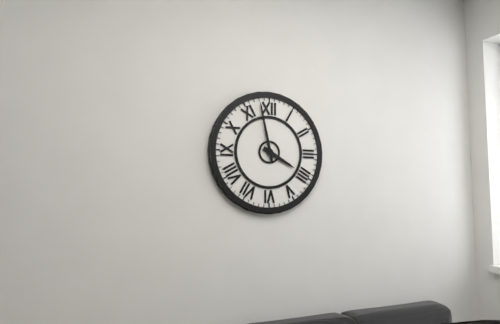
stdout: 3 h 58 min
